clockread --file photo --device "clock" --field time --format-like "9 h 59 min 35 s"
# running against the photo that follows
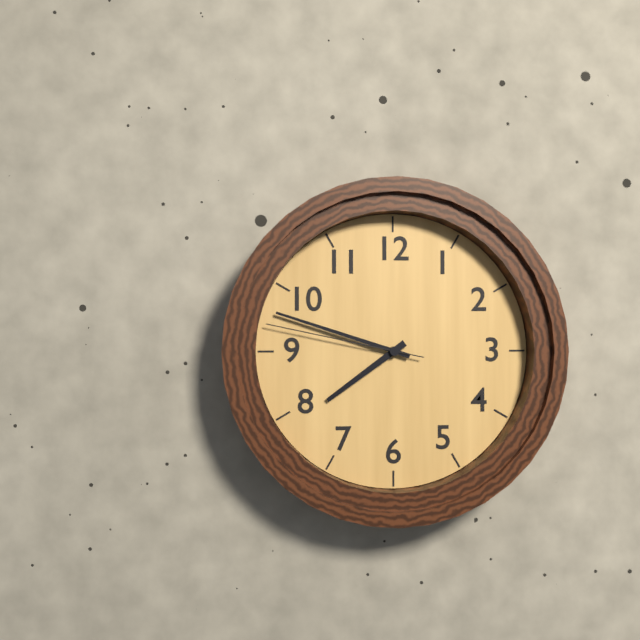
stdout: 7 h 48 min 47 s
